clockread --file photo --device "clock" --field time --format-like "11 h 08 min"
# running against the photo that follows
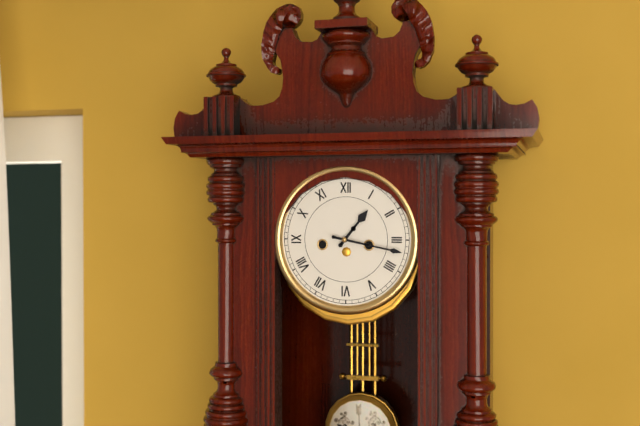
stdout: 1 h 17 min
